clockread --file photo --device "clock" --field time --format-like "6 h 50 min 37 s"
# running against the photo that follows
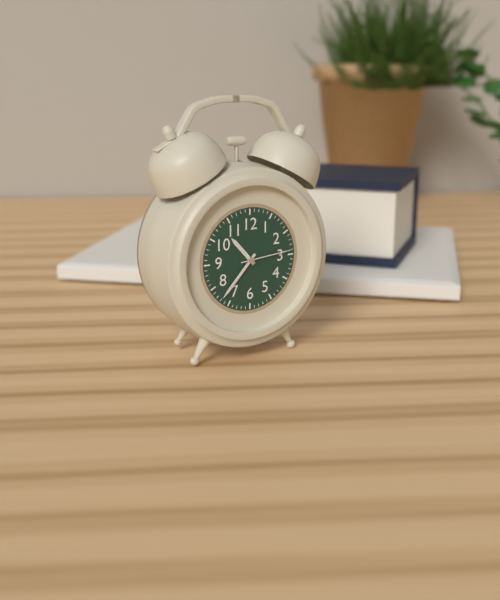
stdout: 10 h 37 min 14 s
